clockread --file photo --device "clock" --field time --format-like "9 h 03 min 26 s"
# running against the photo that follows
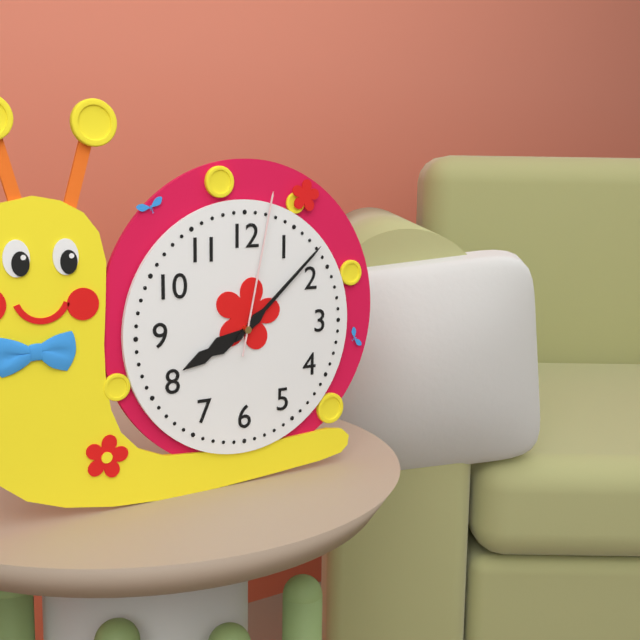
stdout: 8 h 08 min 02 s
